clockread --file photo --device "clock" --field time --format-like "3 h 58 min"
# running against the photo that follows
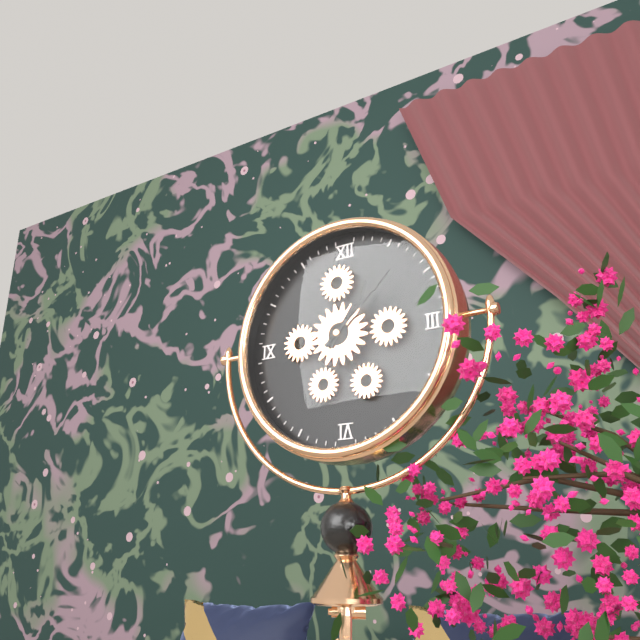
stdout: 1 h 08 min
